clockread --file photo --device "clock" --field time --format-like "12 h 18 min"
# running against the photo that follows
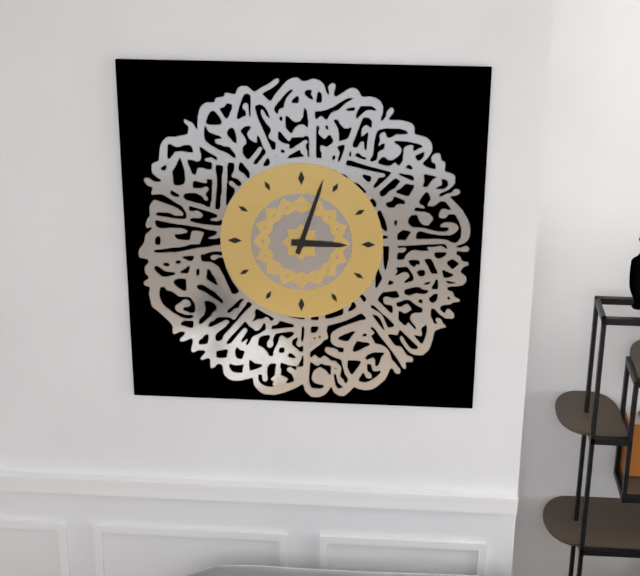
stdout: 3 h 03 min
